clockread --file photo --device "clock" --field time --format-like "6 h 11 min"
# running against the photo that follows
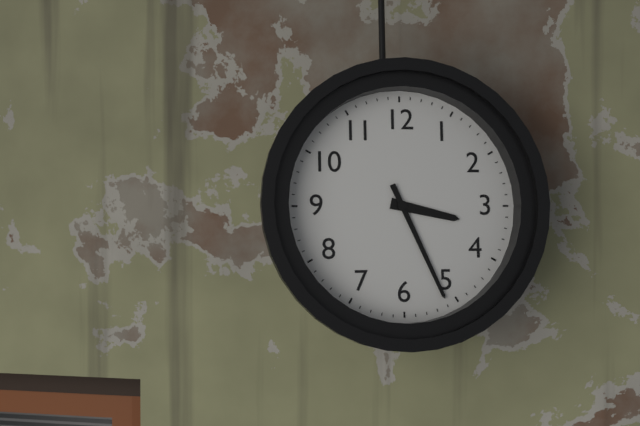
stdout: 3 h 26 min
